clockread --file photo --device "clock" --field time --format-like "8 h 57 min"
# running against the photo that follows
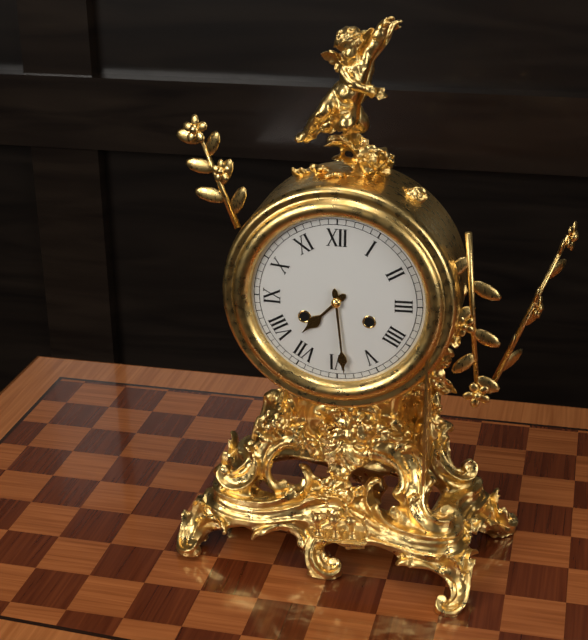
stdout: 7 h 29 min
